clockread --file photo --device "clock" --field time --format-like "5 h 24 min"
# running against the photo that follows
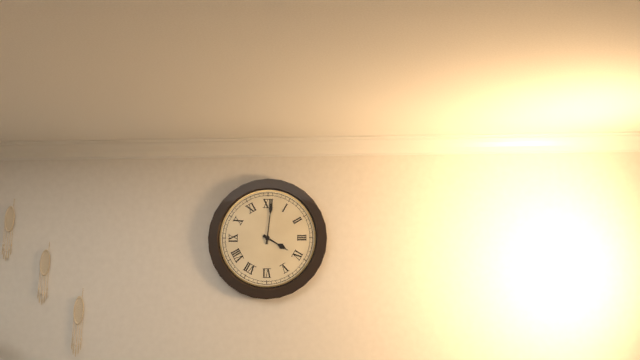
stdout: 4 h 01 min
